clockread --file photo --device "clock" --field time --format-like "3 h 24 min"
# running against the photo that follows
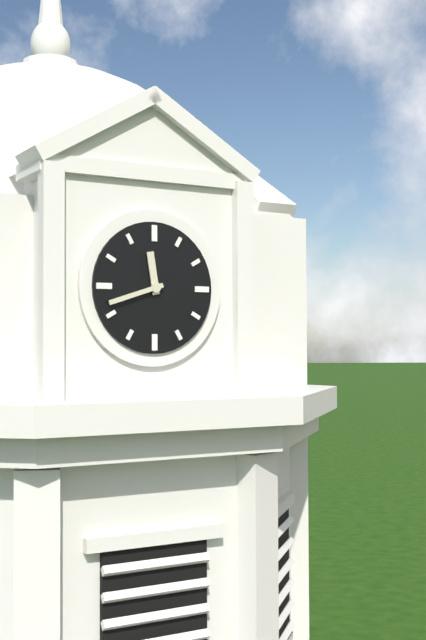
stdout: 11 h 42 min
